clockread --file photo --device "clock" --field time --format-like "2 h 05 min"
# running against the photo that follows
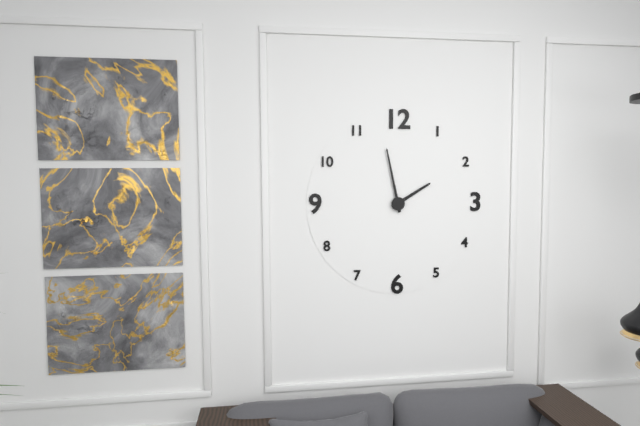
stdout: 1 h 58 min
